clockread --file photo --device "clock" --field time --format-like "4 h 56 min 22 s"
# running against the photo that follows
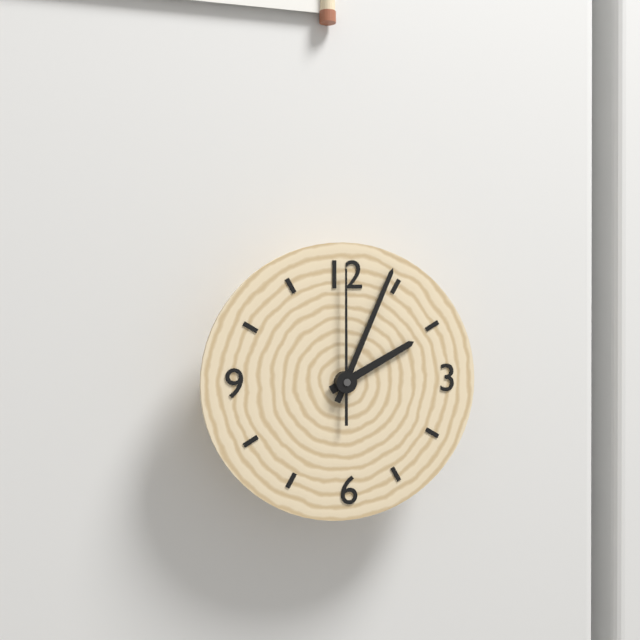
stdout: 2 h 04 min 00 s
